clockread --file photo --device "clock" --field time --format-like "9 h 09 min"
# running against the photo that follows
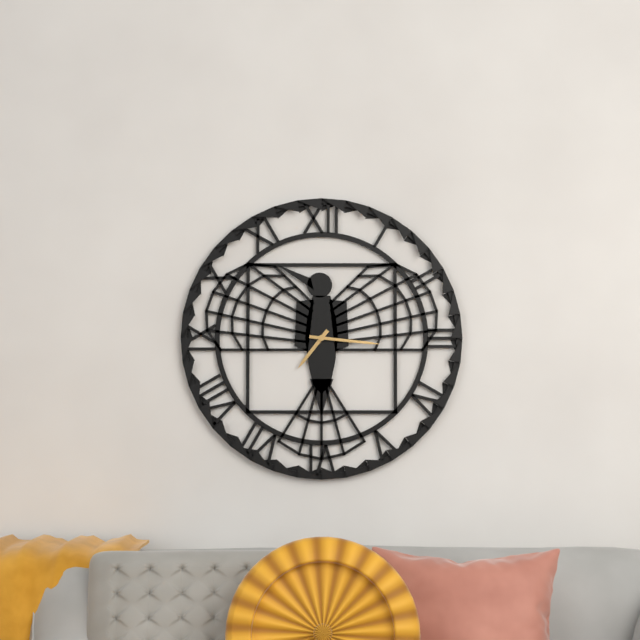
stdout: 7 h 16 min
